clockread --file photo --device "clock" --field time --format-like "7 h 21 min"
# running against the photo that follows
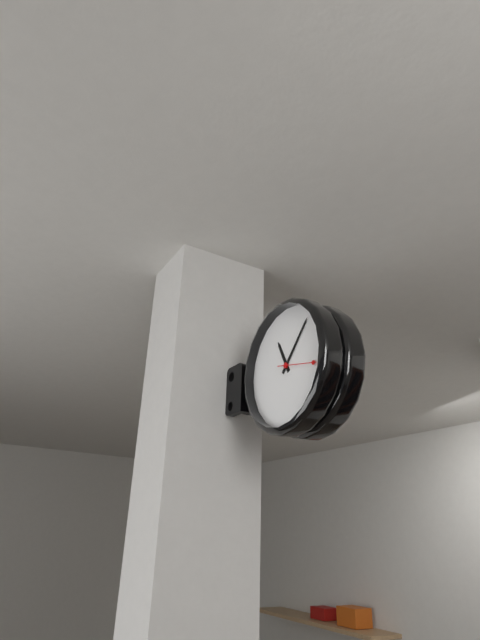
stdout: 11 h 07 min
